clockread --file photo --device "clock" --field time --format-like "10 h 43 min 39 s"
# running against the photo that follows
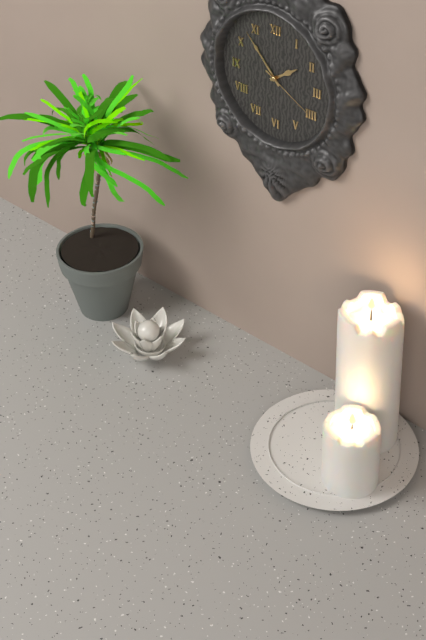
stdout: 1 h 53 min 20 s
